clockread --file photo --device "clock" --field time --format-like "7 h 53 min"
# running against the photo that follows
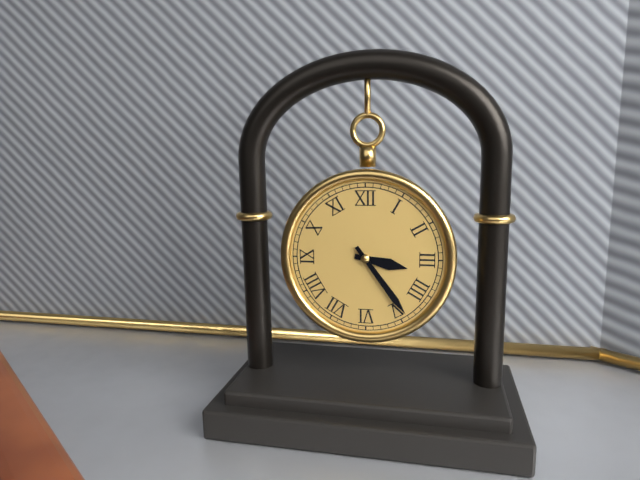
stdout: 3 h 24 min
